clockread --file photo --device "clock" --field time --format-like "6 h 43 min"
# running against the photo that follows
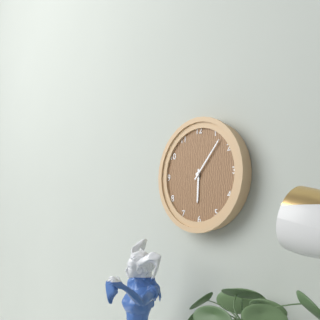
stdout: 6 h 07 min
